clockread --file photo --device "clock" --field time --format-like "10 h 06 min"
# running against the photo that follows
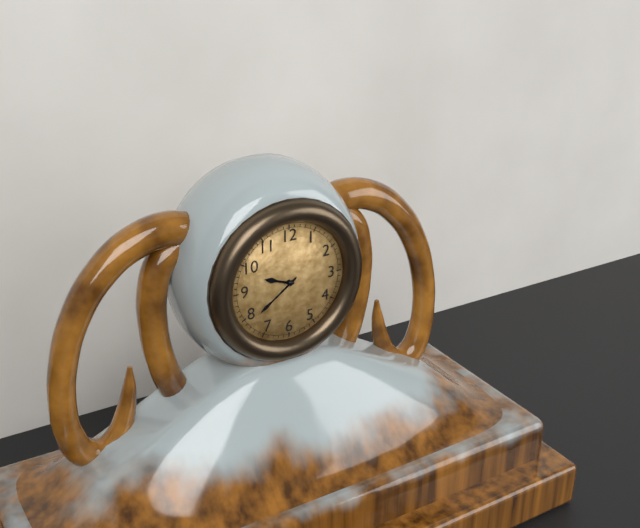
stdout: 9 h 39 min
